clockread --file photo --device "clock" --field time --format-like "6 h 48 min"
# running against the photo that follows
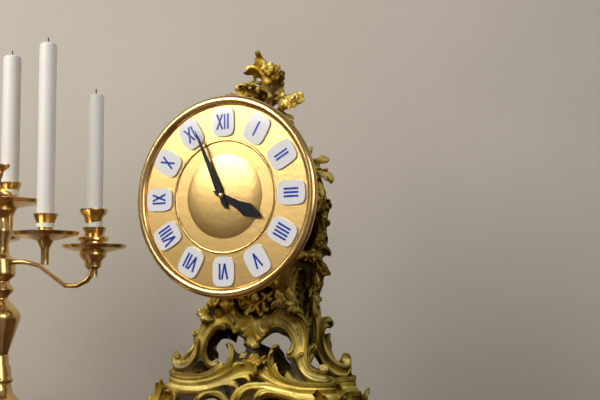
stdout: 3 h 56 min
